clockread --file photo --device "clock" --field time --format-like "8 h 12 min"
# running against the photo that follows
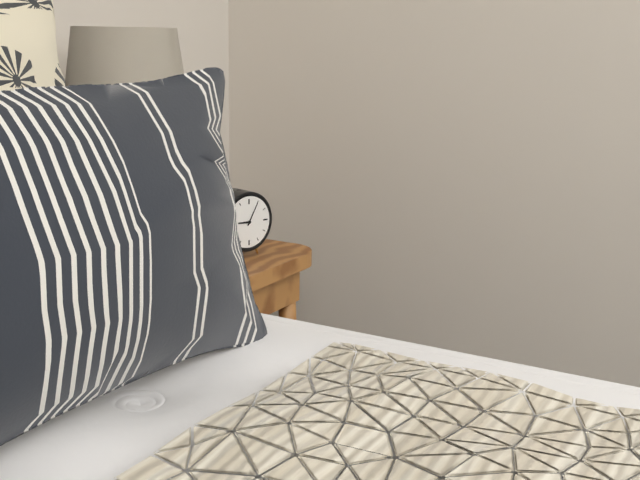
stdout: 9 h 05 min
